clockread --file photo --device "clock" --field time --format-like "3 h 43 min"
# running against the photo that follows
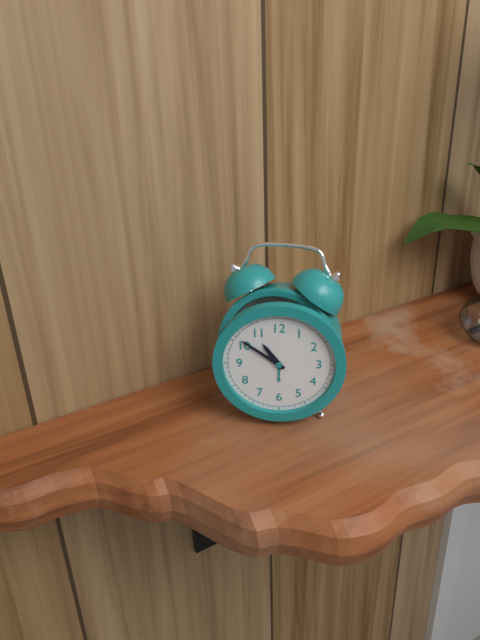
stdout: 10 h 51 min
